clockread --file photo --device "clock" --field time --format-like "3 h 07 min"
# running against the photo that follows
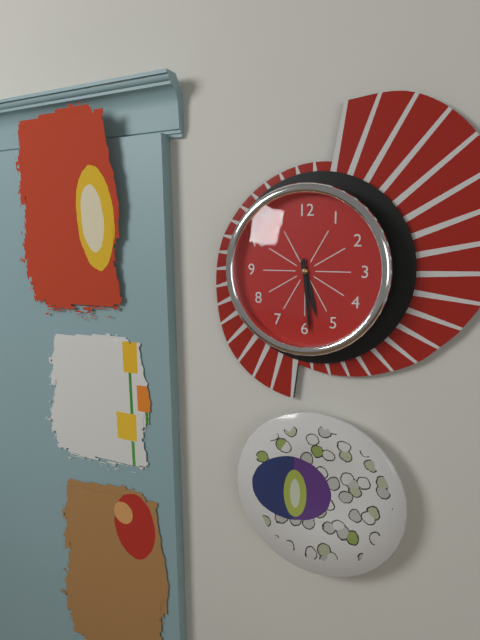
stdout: 5 h 29 min
